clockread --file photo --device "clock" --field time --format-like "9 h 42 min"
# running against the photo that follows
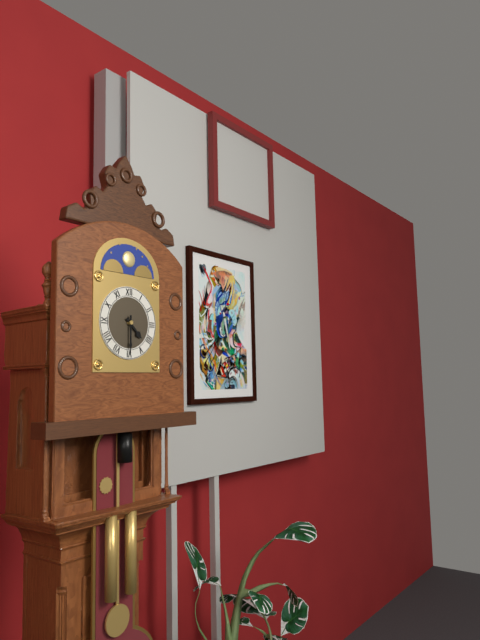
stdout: 4 h 30 min
